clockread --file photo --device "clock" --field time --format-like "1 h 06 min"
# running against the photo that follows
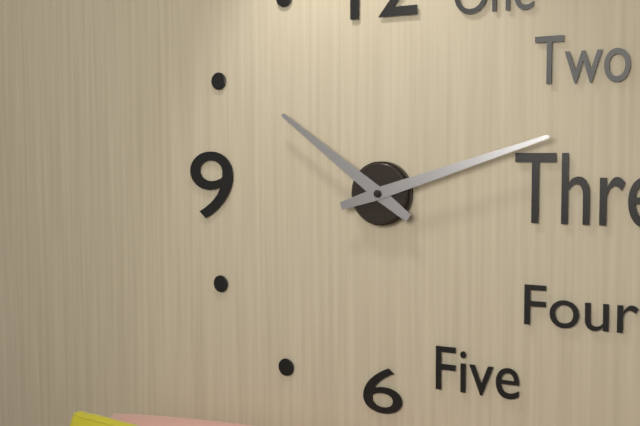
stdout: 10 h 12 min
